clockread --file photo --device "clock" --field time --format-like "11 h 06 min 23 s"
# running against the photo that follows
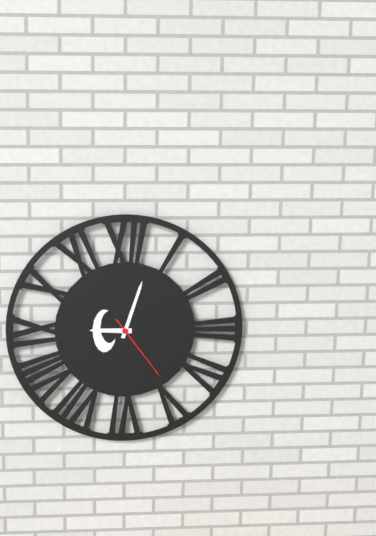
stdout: 9 h 03 min 24 s
